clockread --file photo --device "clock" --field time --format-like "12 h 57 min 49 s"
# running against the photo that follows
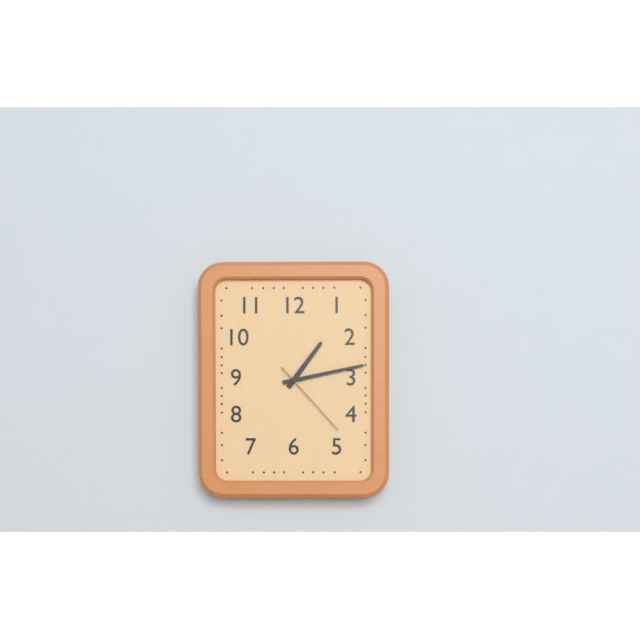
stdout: 1 h 13 min 23 s
